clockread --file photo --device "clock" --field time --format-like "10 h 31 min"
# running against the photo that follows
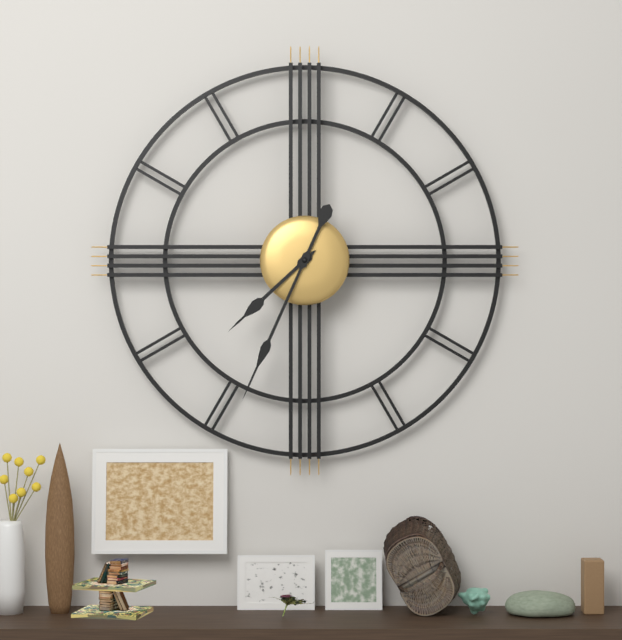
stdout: 7 h 34 min
